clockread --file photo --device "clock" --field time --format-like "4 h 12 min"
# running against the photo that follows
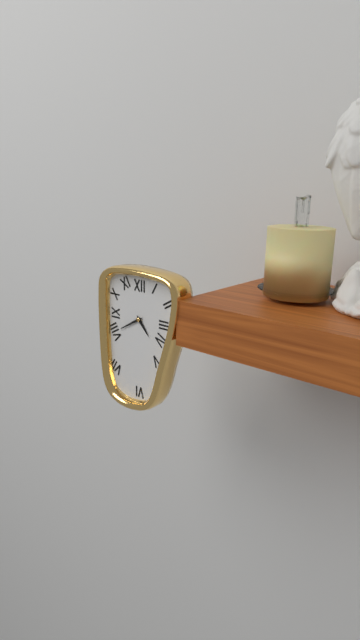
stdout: 4 h 40 min
